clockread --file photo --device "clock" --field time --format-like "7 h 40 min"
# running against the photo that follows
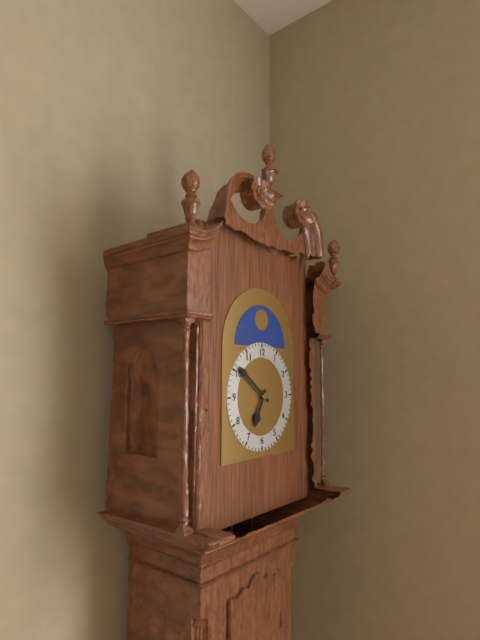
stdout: 6 h 51 min
